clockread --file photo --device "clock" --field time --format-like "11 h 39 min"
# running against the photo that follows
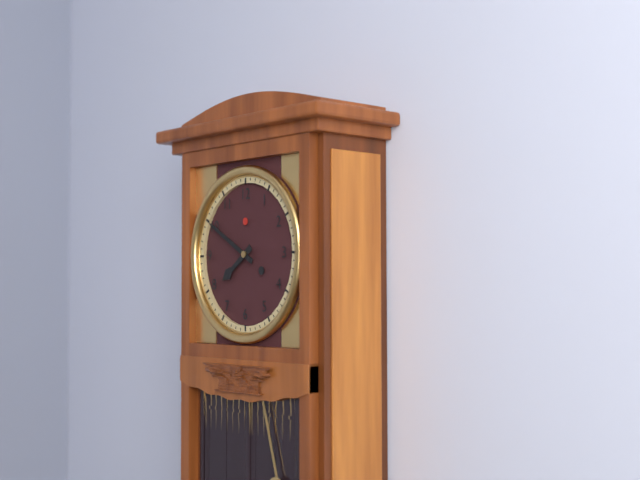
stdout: 7 h 50 min
